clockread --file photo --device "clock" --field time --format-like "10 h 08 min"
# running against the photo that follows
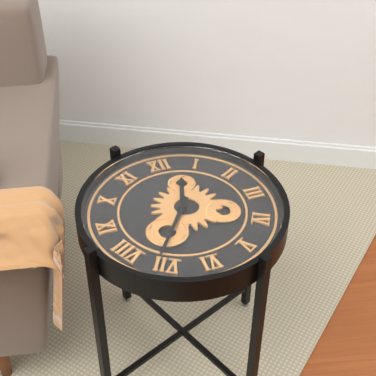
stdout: 12 h 36 min
